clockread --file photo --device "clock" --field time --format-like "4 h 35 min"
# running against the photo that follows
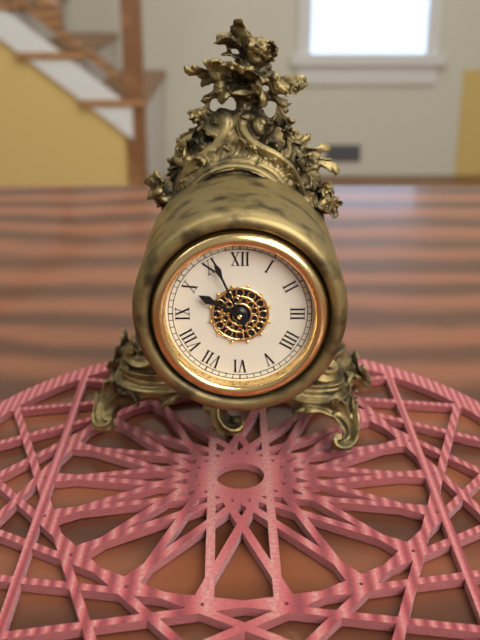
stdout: 9 h 56 min
